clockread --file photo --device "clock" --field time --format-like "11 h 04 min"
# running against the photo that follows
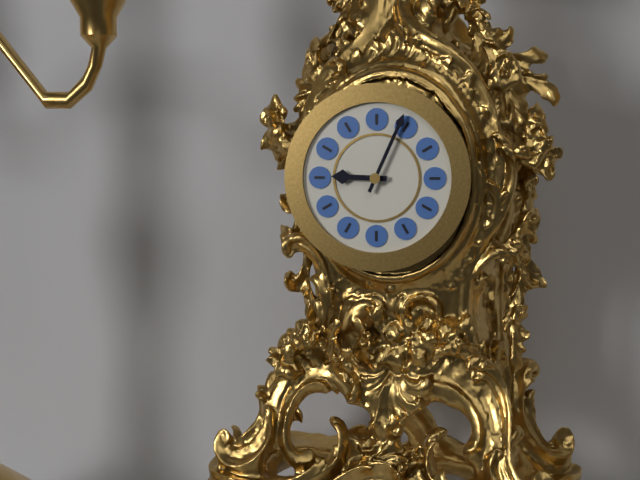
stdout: 9 h 04 min
